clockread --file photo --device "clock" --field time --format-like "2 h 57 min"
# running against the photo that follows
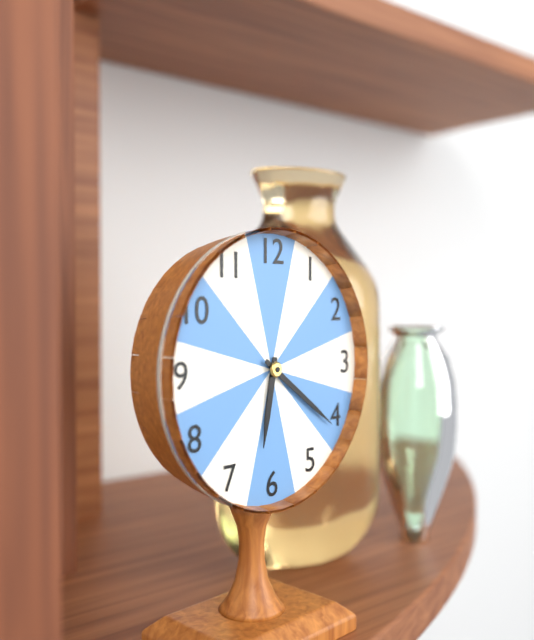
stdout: 6 h 21 min
